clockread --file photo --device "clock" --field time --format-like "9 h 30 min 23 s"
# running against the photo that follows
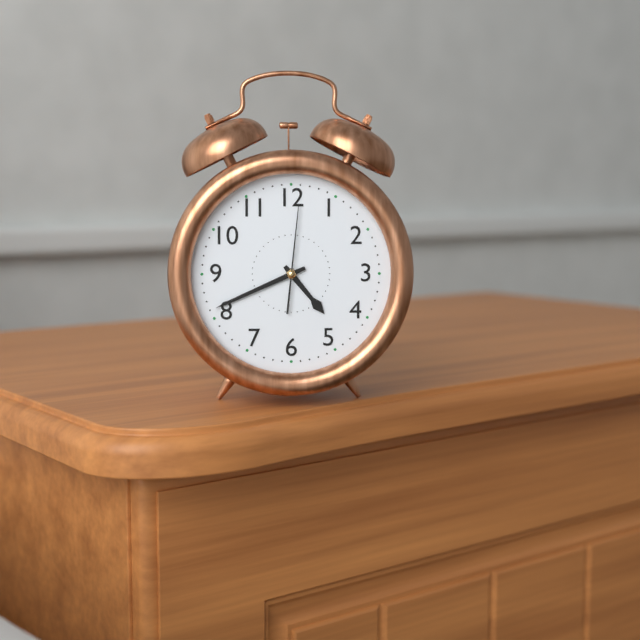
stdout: 4 h 41 min 01 s
